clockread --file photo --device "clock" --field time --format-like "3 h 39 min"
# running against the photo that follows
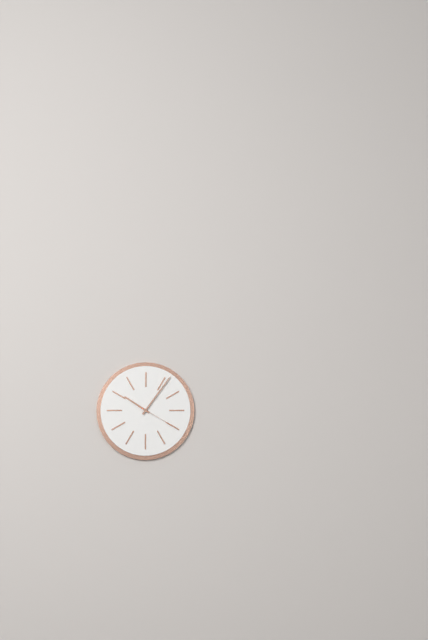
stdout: 10 h 06 min
